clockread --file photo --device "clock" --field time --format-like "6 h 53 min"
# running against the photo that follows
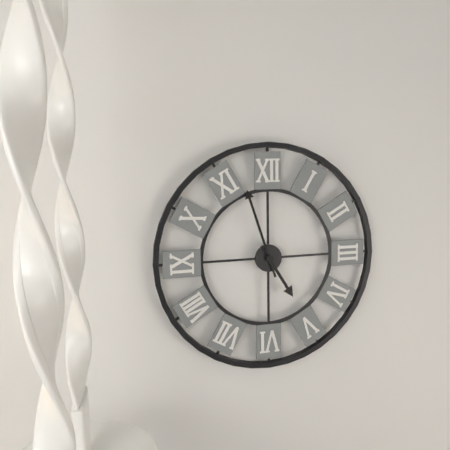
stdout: 4 h 57 min
